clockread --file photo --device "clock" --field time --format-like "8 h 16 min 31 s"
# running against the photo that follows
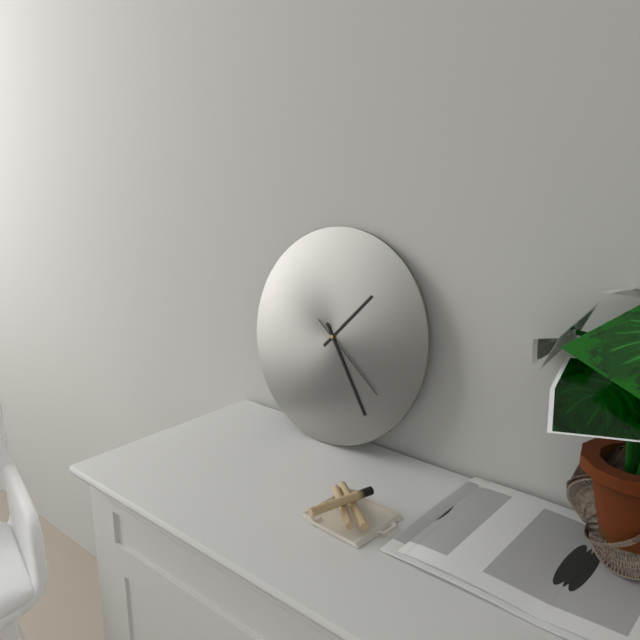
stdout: 1 h 24 min 21 s
